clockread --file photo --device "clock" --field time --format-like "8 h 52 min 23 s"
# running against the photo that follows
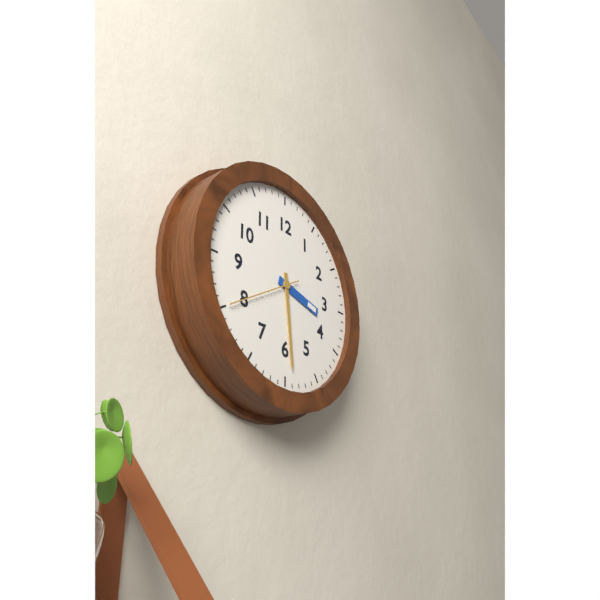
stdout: 3 h 29 min 40 s
